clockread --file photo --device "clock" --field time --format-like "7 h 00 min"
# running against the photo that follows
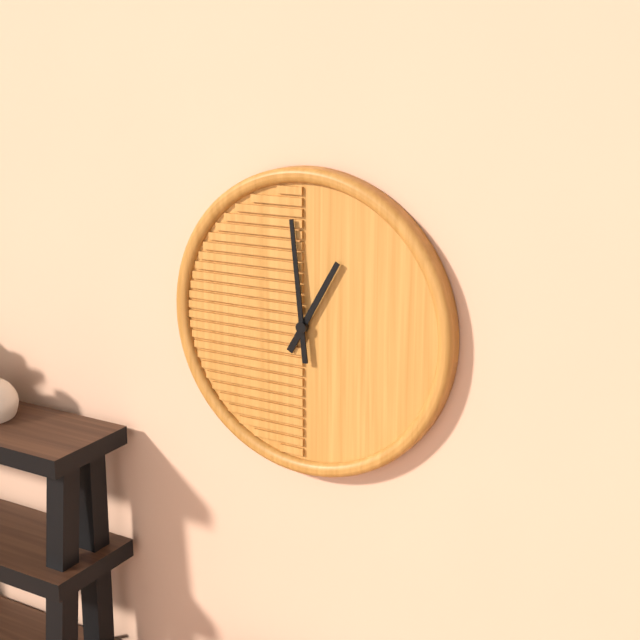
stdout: 12 h 59 min
